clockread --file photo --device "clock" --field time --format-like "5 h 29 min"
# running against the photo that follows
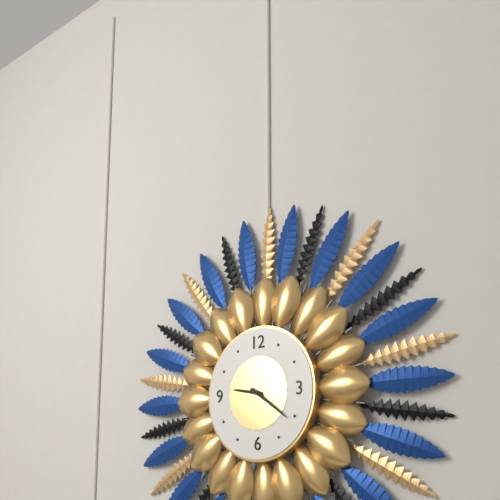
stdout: 9 h 21 min
